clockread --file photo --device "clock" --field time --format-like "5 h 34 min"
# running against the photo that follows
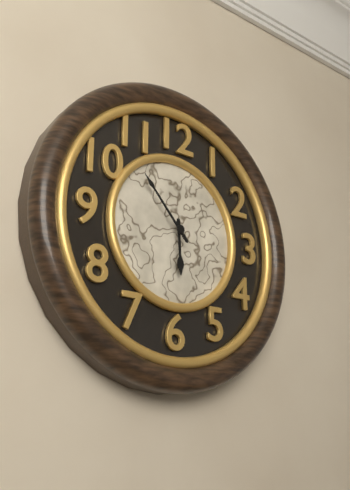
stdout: 5 h 53 min
